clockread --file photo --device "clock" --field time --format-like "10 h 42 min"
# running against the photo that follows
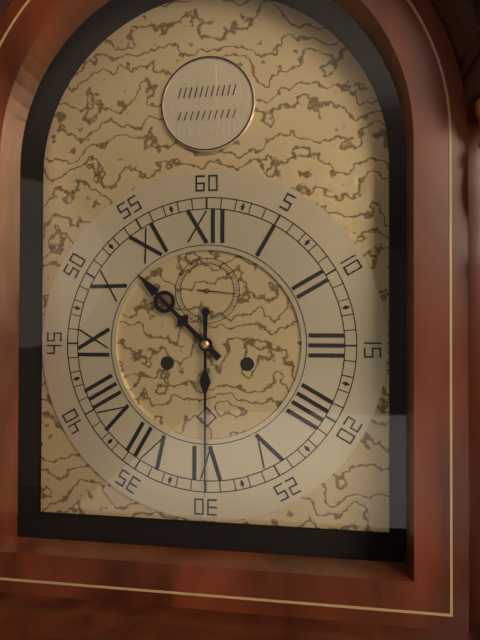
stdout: 10 h 30 min
